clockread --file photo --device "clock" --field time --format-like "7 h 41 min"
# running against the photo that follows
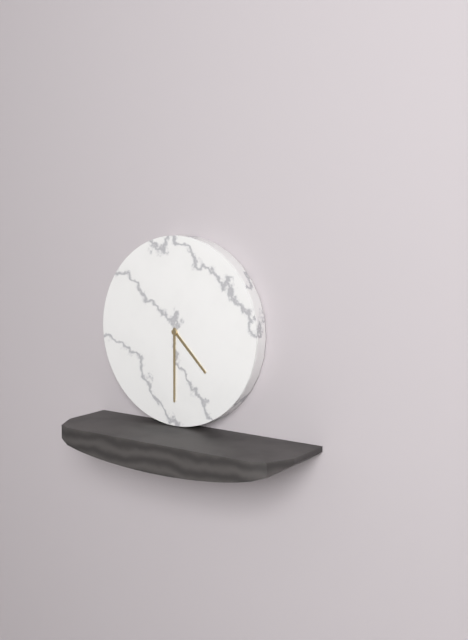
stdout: 4 h 30 min
